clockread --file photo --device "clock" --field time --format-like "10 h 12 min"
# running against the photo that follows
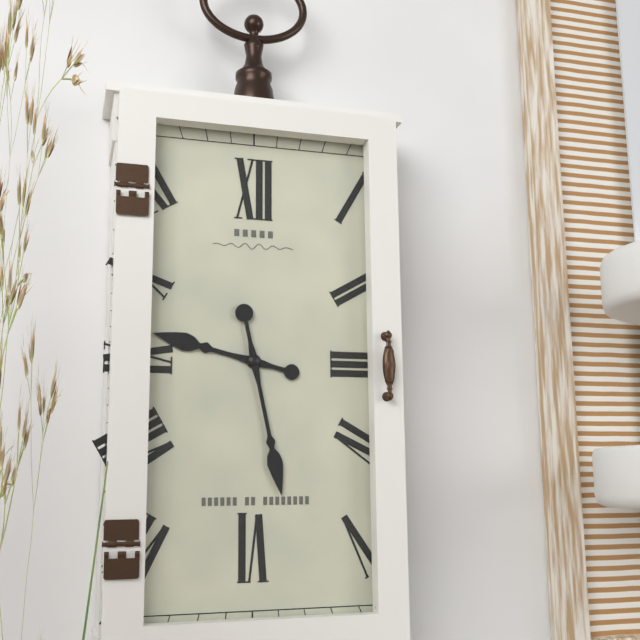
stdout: 9 h 28 min
